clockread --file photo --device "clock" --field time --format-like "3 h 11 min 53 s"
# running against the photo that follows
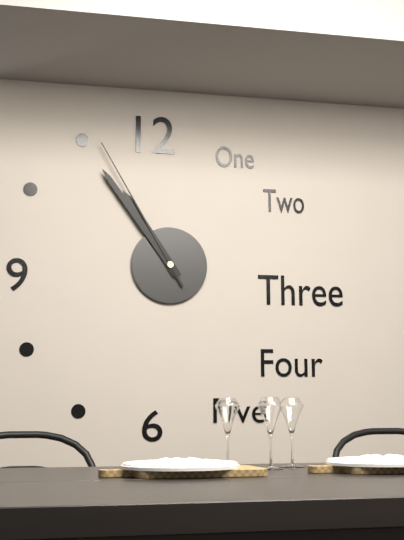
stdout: 10 h 54 min 55 s
